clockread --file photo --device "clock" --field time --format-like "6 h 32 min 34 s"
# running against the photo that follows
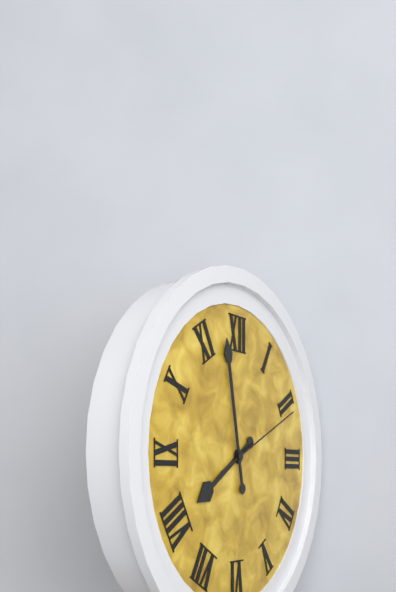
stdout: 7 h 58 min 11 s
